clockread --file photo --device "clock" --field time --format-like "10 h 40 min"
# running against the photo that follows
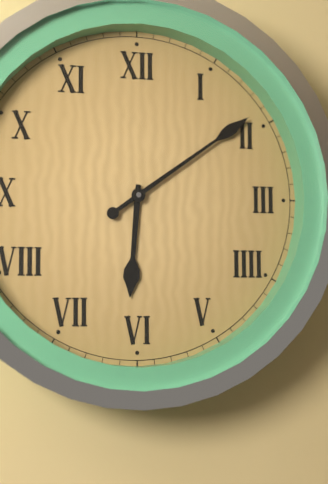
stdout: 6 h 09 min
